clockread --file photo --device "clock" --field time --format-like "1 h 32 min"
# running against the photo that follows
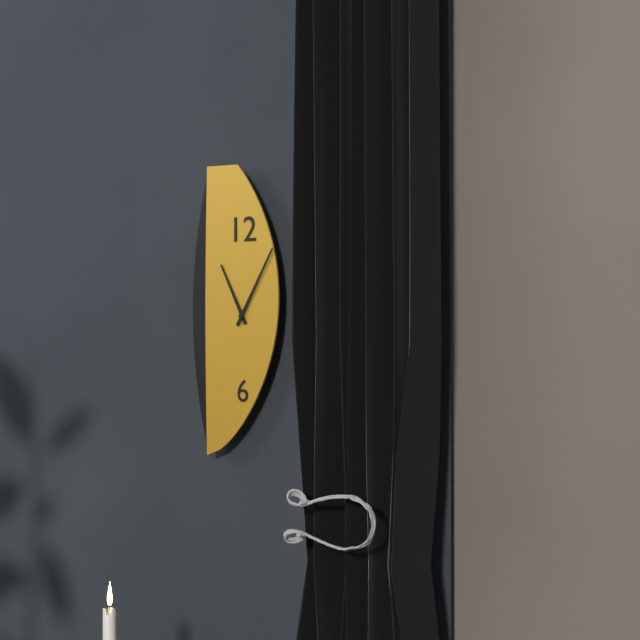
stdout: 11 h 05 min
